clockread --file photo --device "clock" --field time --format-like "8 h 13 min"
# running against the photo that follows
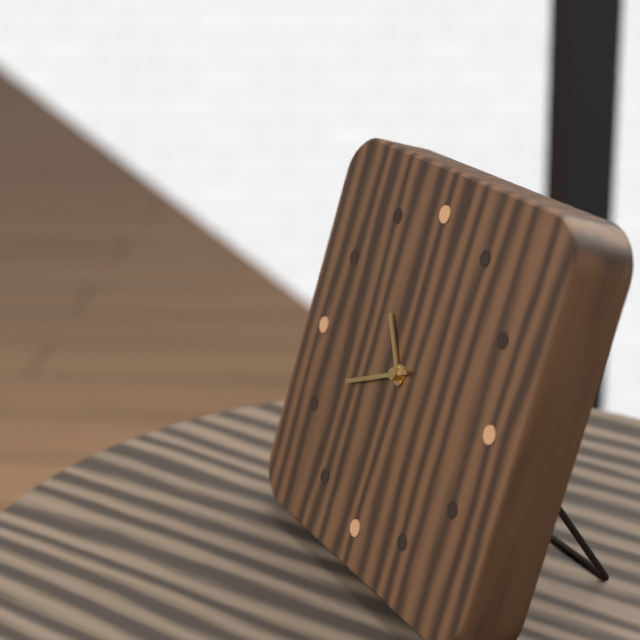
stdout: 10 h 41 min
